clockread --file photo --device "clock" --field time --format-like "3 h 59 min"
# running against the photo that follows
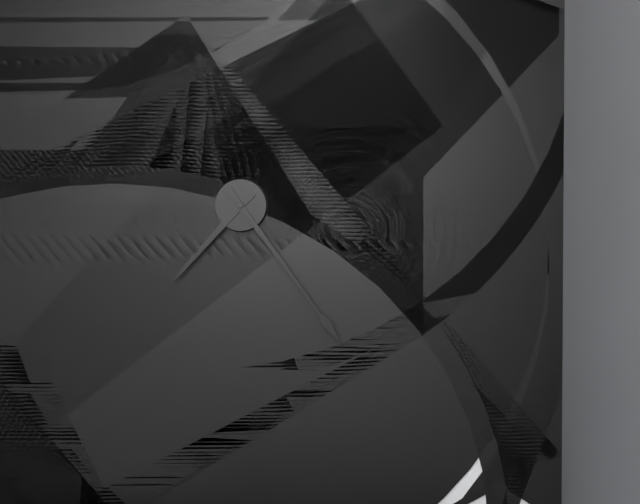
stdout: 7 h 24 min
